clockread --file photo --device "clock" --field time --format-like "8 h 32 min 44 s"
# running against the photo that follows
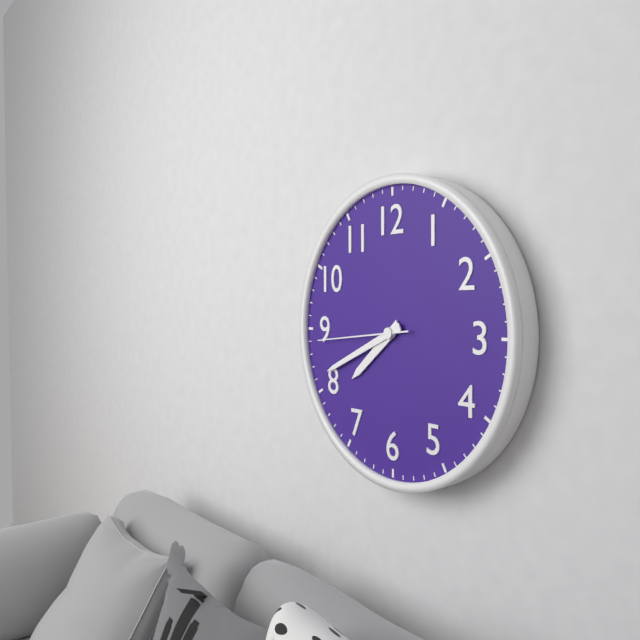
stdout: 7 h 41 min 44 s
